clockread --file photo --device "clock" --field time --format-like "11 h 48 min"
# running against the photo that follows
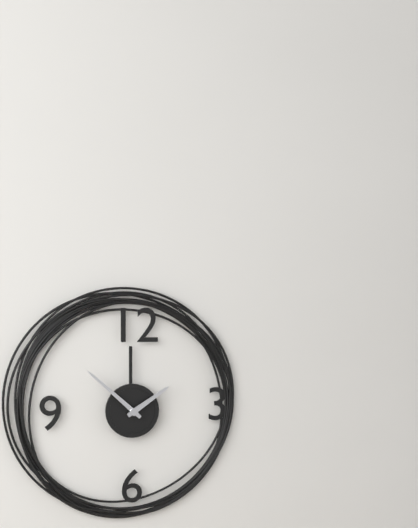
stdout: 1 h 52 min
